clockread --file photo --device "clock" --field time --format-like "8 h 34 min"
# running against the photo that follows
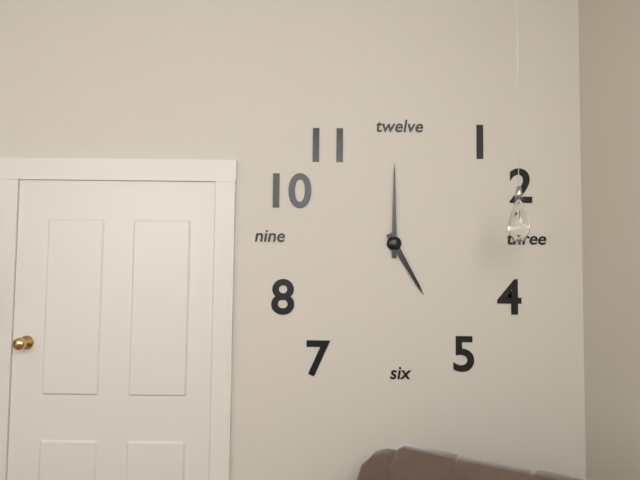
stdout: 5 h 00 min
